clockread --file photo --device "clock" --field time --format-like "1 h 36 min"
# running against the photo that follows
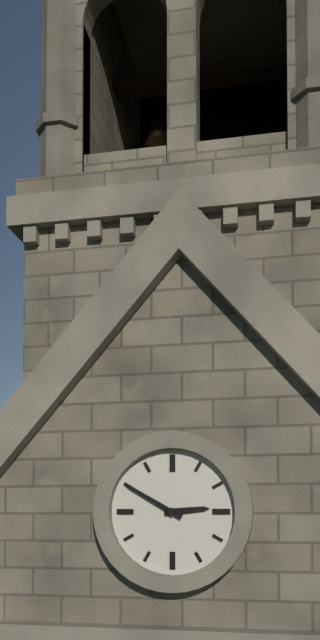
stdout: 2 h 50 min
